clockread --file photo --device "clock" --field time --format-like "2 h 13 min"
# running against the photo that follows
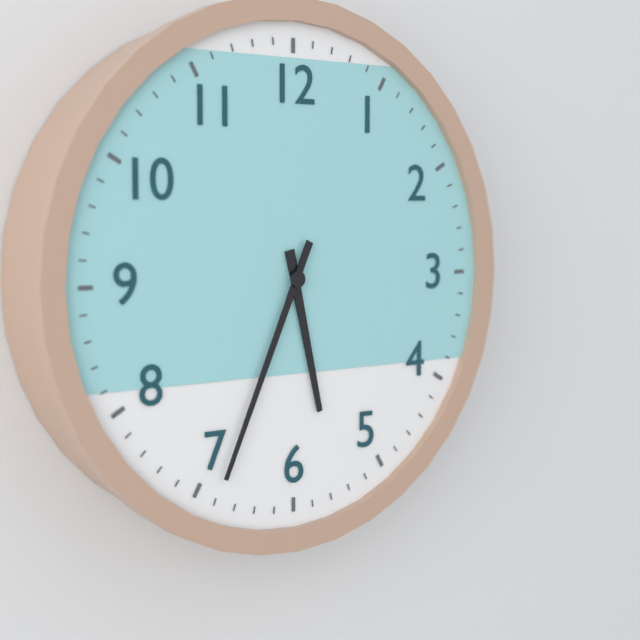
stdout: 5 h 34 min
